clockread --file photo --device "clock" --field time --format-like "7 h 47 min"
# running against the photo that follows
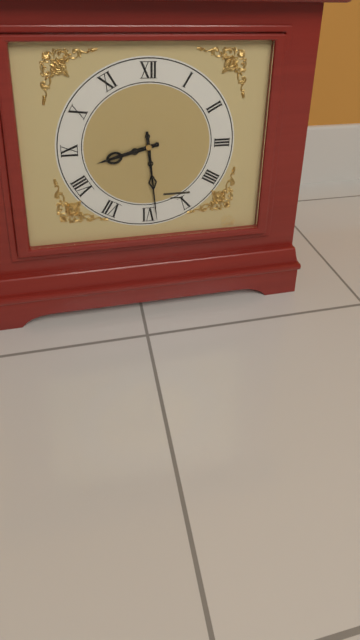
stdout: 8 h 29 min
